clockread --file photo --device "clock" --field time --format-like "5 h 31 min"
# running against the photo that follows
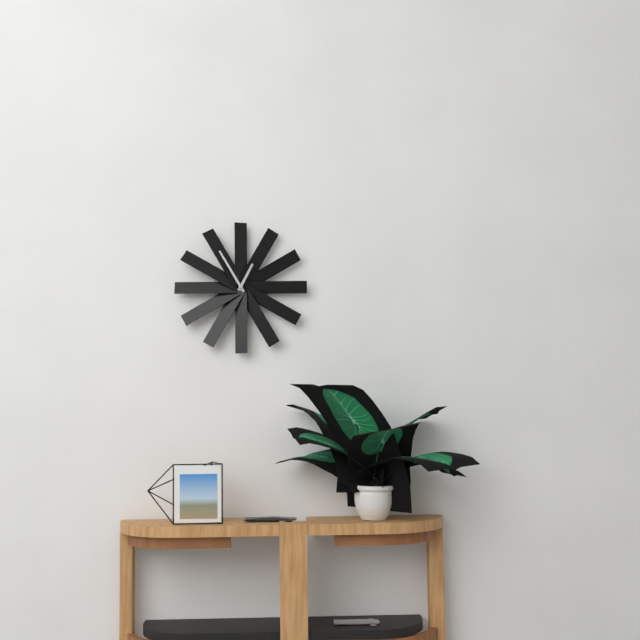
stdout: 12 h 55 min
